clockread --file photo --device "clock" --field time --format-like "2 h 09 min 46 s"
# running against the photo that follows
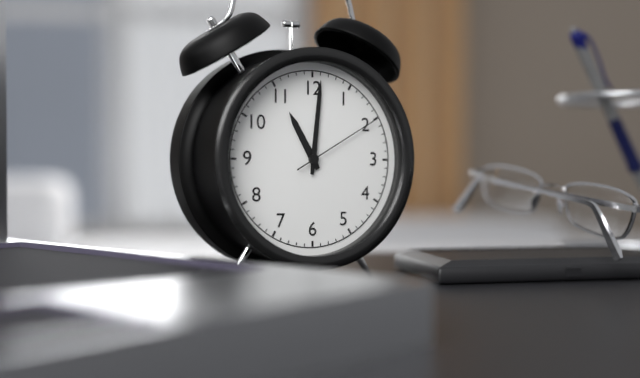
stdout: 11 h 01 min 10 s
